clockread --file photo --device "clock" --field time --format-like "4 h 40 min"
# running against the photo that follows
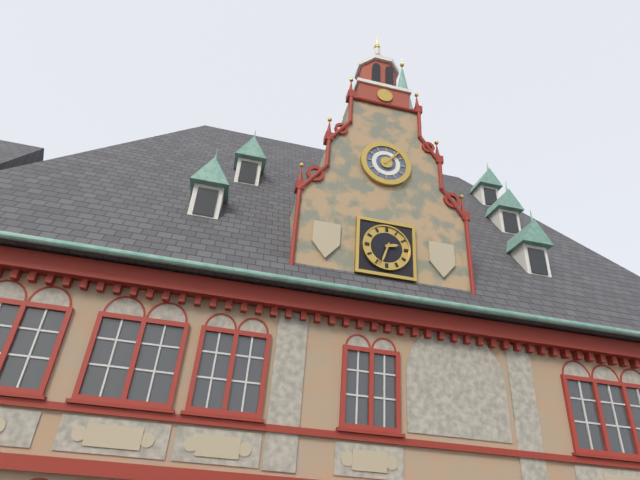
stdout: 2 h 33 min
